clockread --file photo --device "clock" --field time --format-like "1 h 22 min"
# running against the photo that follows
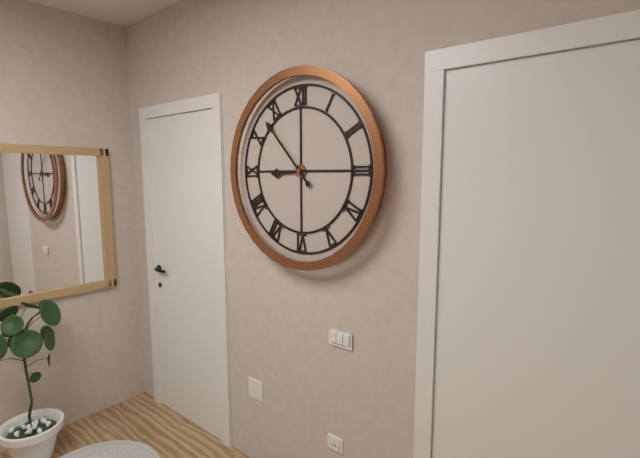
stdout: 8 h 53 min
